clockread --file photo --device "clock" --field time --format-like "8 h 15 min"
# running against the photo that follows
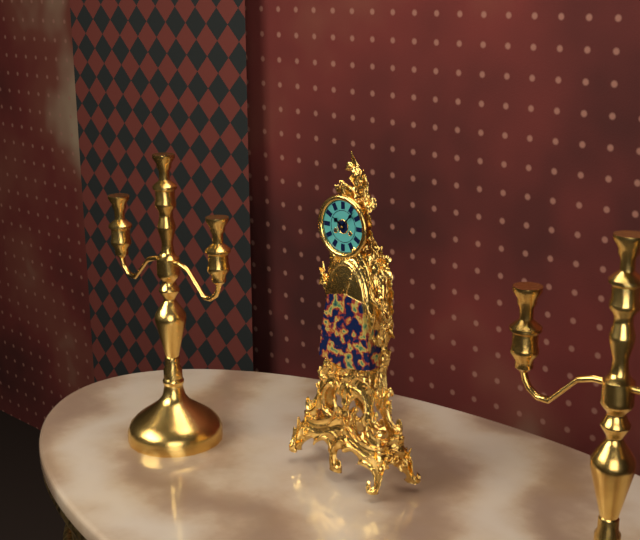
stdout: 10 h 07 min
